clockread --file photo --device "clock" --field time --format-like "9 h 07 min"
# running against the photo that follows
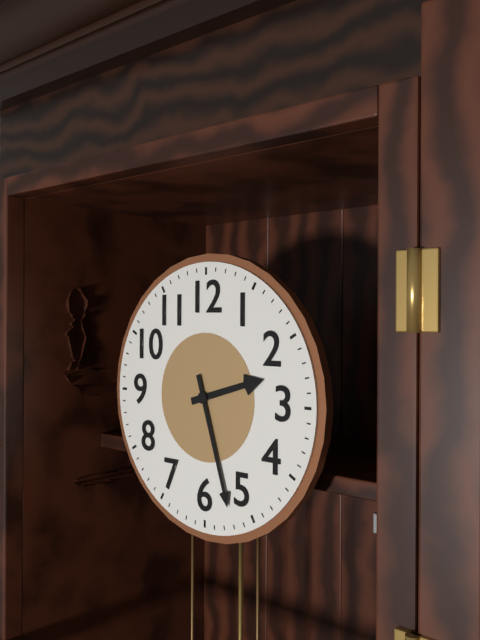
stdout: 2 h 27 min
